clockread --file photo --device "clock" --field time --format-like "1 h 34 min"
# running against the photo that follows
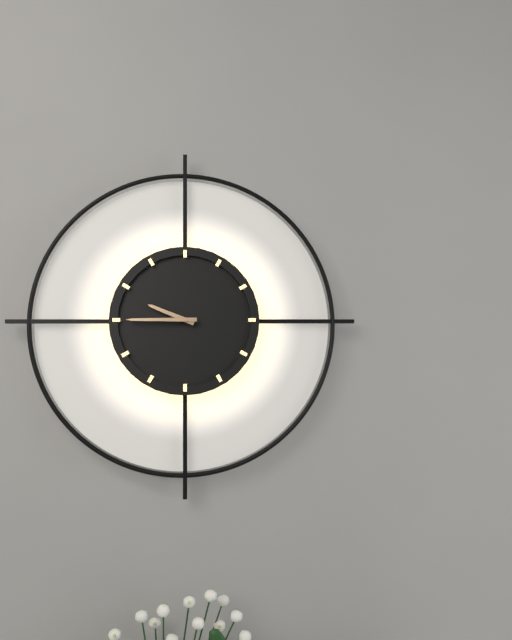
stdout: 9 h 45 min
